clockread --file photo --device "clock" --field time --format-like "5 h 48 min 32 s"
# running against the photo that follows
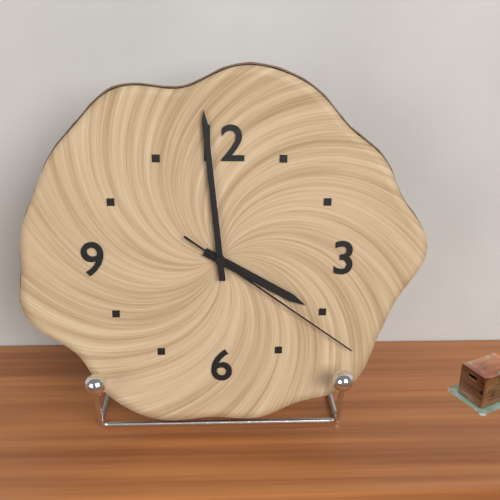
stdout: 3 h 59 min 21 s
